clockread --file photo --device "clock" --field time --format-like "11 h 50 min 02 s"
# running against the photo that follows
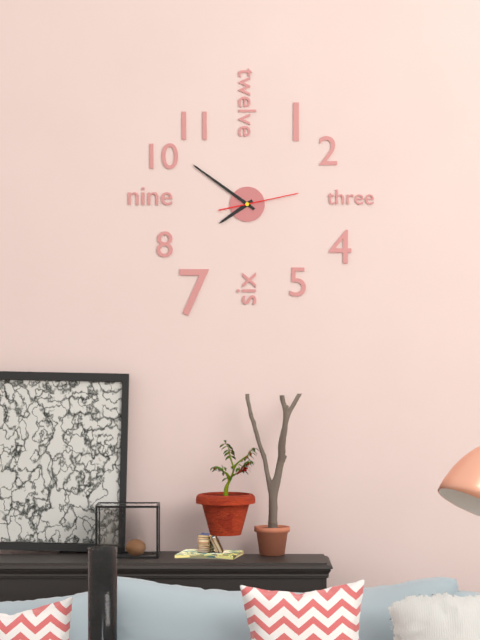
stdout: 7 h 51 min 13 s
